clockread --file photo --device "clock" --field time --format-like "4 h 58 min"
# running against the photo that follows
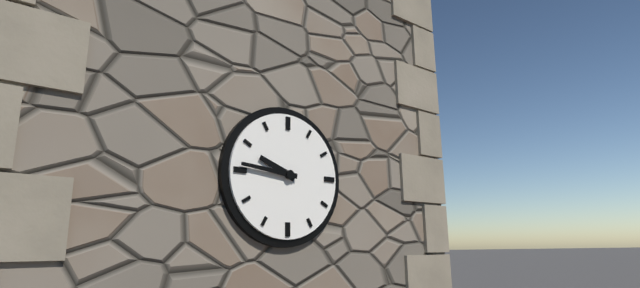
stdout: 9 h 46 min
